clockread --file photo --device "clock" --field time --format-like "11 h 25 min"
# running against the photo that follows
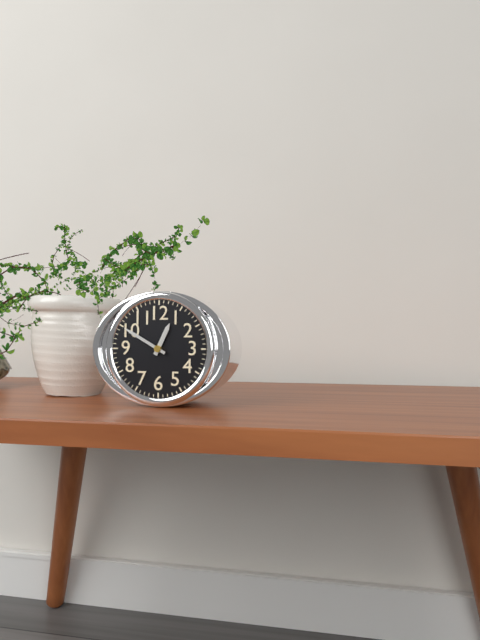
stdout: 12 h 50 min
